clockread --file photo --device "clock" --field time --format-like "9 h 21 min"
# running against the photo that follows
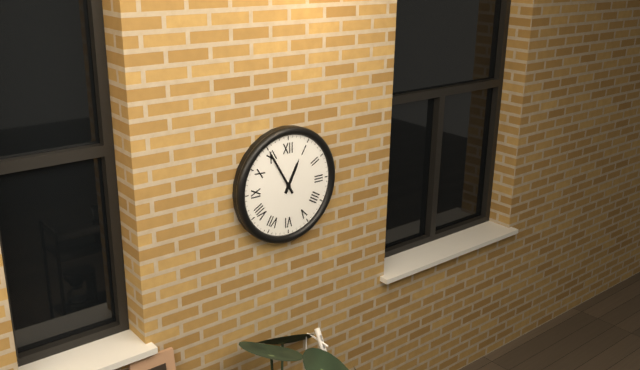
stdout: 12 h 55 min
